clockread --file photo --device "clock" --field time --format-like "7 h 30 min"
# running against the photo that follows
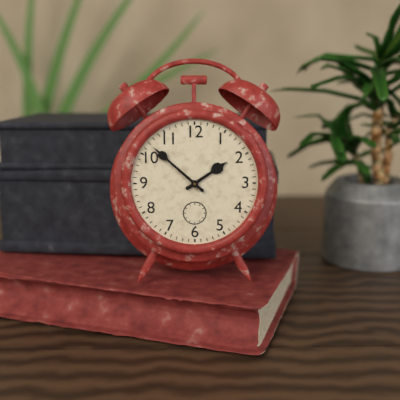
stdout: 1 h 52 min
